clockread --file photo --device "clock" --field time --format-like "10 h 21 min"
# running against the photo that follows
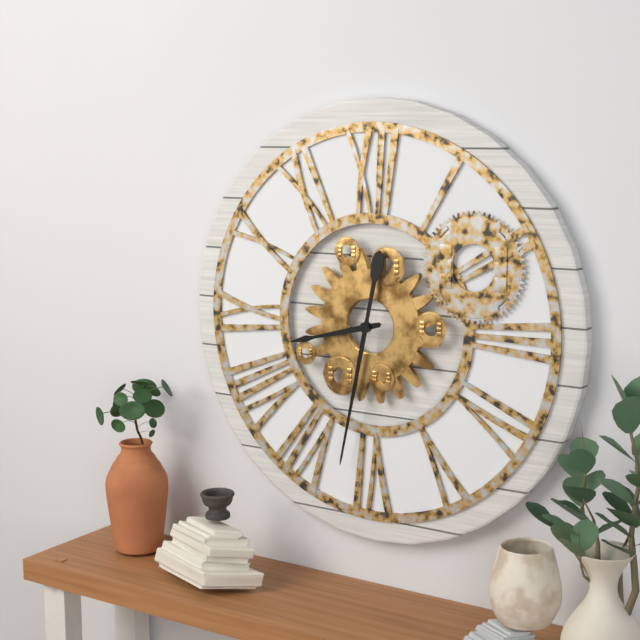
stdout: 8 h 32 min
